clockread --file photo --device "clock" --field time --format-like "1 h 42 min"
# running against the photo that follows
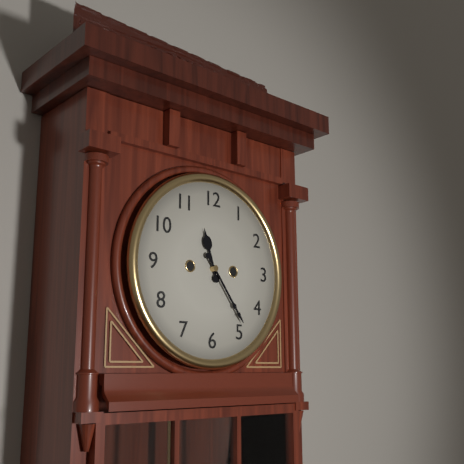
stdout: 11 h 24 min
